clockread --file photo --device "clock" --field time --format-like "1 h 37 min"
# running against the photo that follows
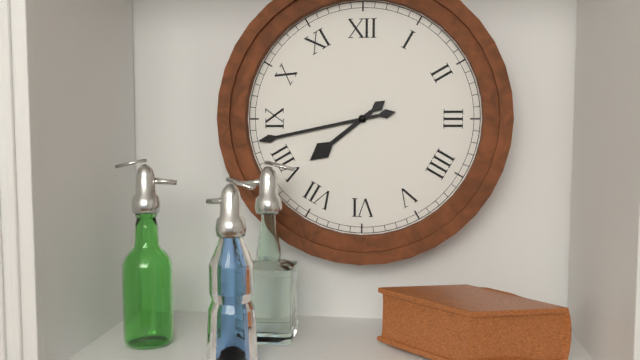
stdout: 7 h 43 min
